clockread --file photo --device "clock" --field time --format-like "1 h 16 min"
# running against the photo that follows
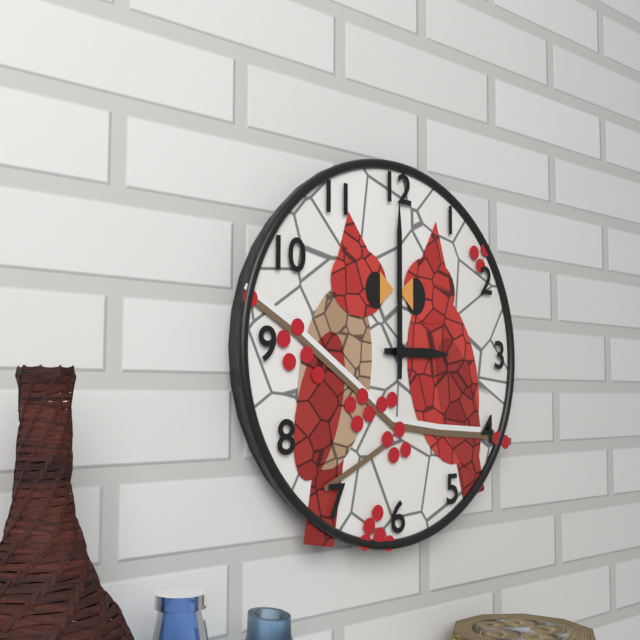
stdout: 3 h 00 min
